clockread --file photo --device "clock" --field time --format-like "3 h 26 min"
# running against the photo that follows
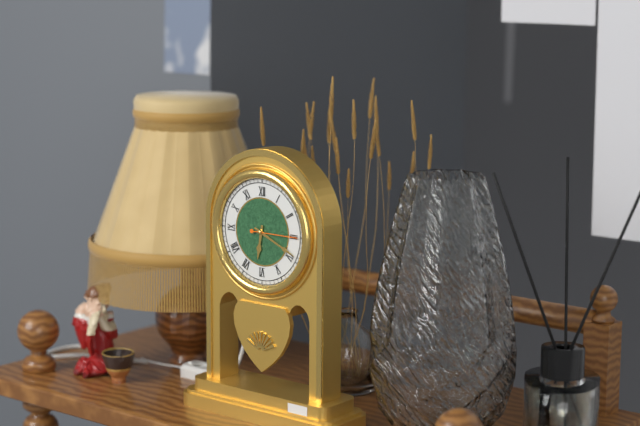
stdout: 6 h 19 min
